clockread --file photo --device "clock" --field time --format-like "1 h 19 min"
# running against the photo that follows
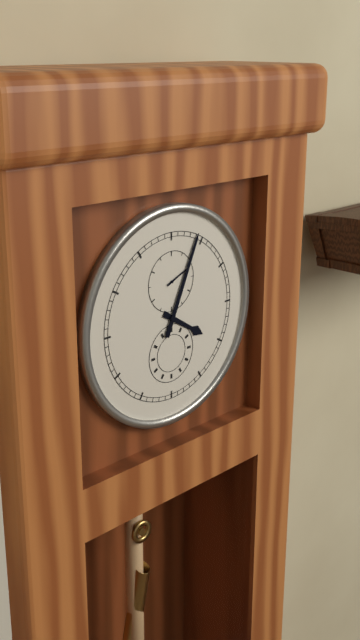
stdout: 4 h 04 min
